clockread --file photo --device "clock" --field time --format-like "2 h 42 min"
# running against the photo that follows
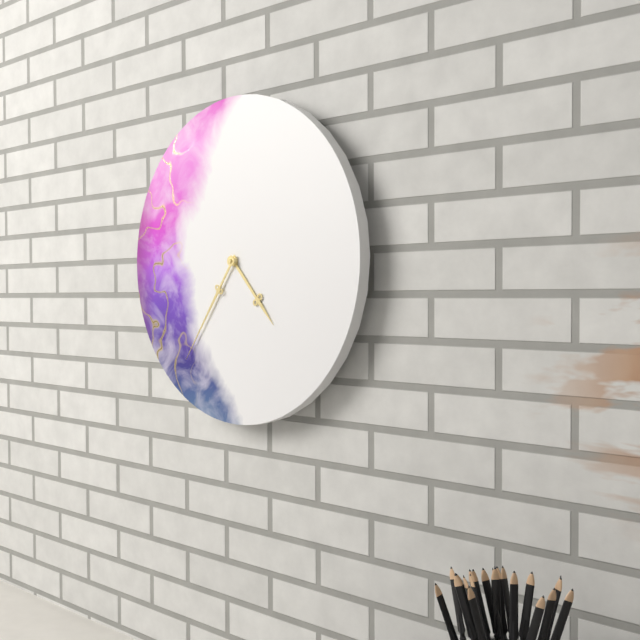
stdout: 4 h 36 min
